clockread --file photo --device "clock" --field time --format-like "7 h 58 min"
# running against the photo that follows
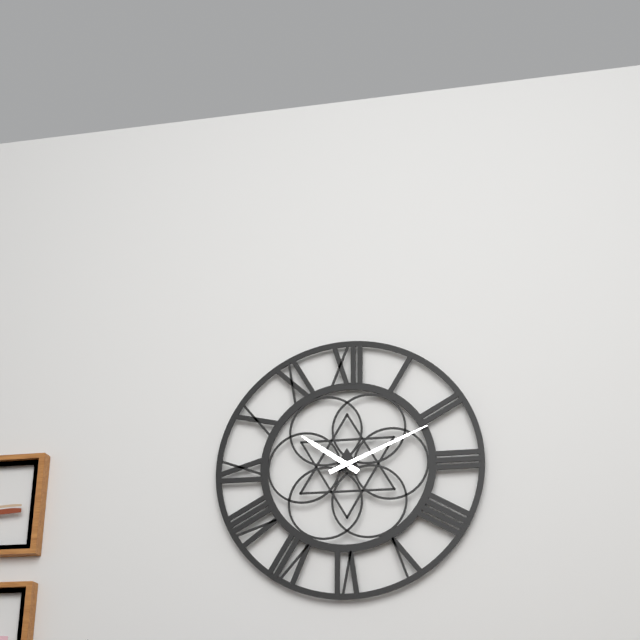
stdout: 10 h 11 min
